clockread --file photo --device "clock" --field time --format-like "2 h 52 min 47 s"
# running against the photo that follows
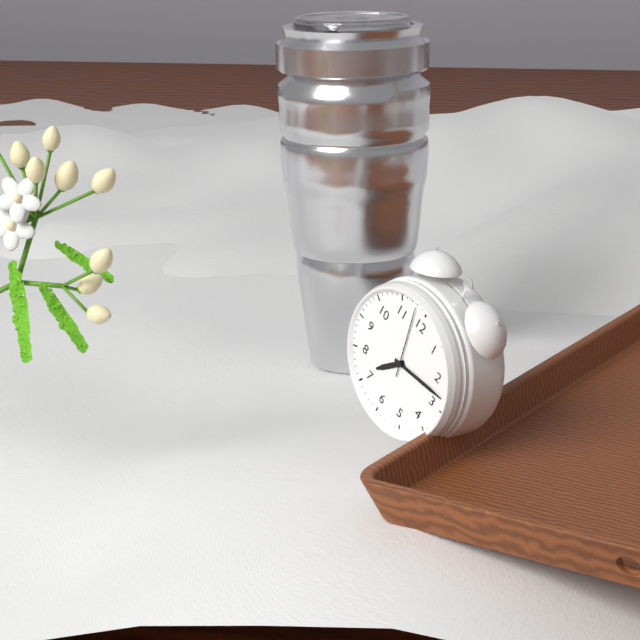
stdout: 7 h 13 min 58 s
